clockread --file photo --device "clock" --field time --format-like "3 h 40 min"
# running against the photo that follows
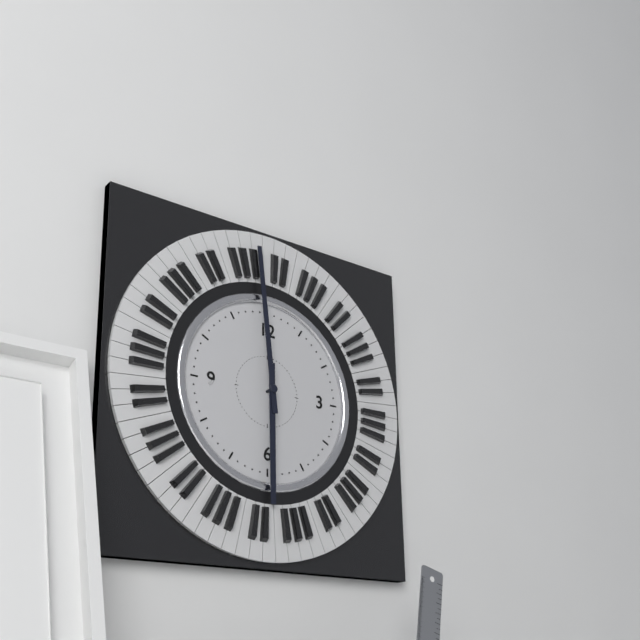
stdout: 5 h 59 min
